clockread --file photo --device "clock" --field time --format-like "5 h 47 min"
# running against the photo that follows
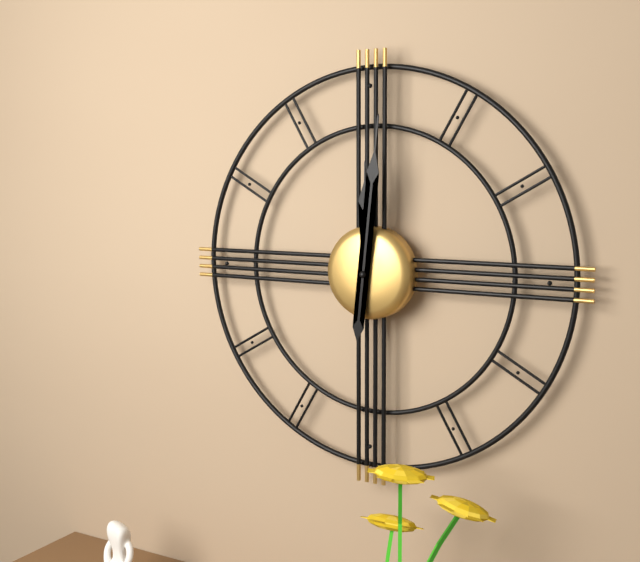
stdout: 12 h 01 min
